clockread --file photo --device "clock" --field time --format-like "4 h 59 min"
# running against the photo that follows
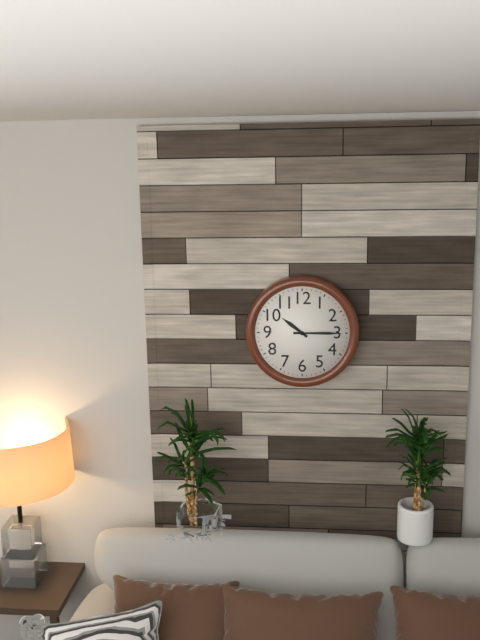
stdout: 10 h 15 min
